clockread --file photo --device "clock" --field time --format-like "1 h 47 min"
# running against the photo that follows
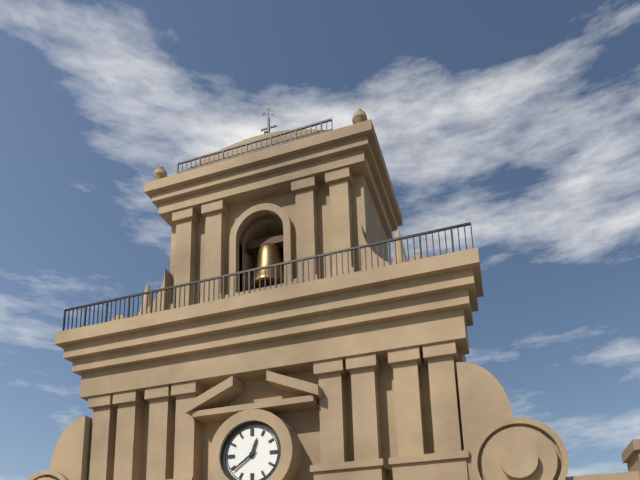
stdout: 12 h 39 min
